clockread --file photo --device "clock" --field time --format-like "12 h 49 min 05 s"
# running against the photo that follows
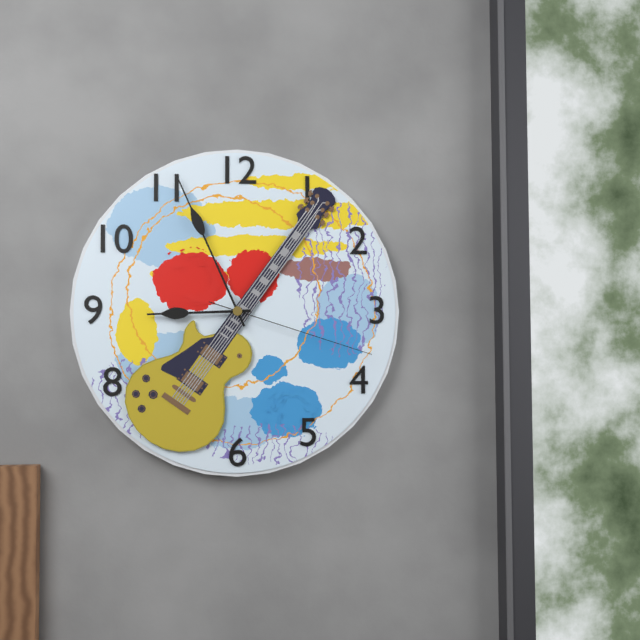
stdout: 8 h 56 min 18 s
